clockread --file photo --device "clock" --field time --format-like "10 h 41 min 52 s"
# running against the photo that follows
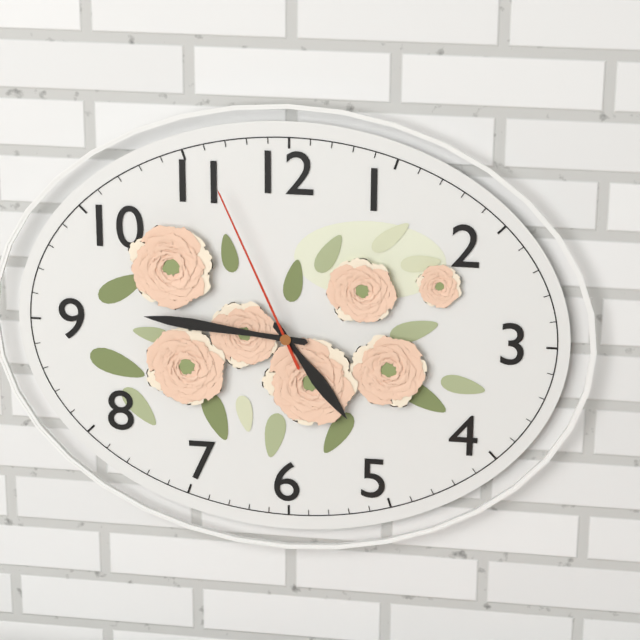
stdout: 4 h 46 min 56 s
